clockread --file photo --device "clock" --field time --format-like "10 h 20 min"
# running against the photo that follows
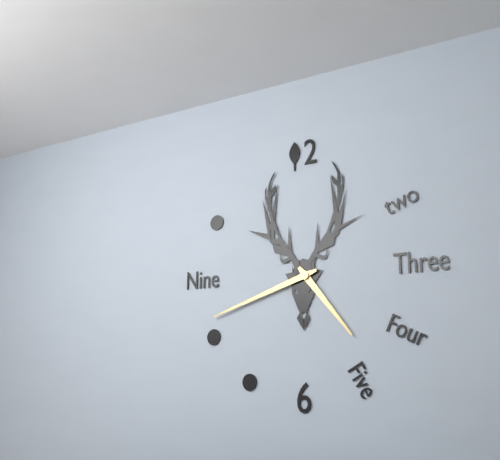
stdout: 4 h 42 min
